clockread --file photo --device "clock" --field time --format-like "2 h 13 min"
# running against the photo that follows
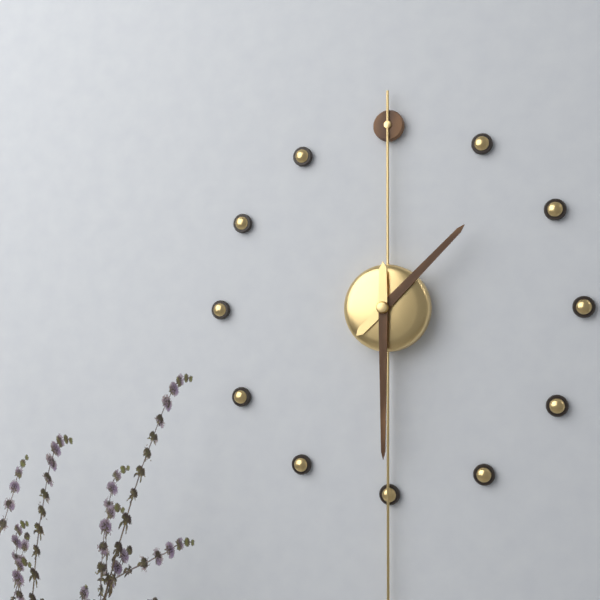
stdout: 1 h 30 min
